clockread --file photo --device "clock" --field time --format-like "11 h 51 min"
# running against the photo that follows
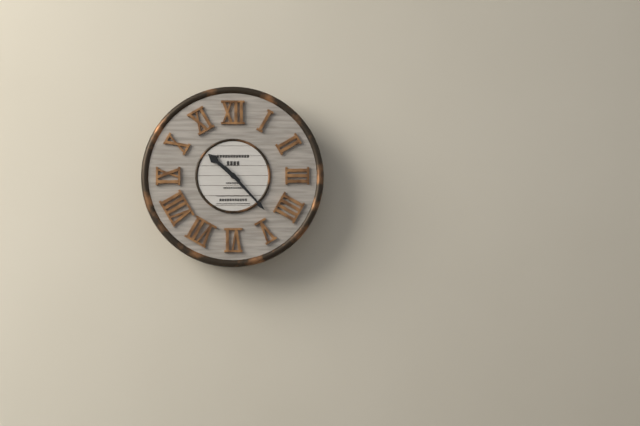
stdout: 10 h 23 min
